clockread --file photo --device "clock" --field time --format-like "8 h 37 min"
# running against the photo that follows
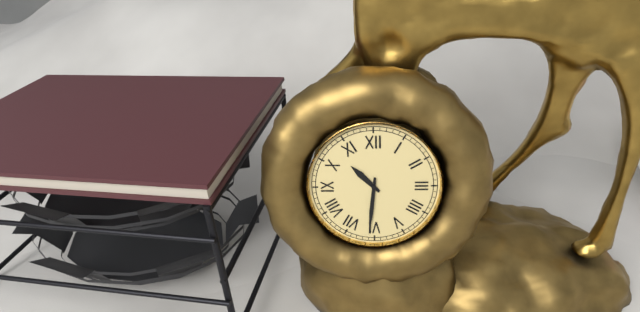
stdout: 10 h 31 min
